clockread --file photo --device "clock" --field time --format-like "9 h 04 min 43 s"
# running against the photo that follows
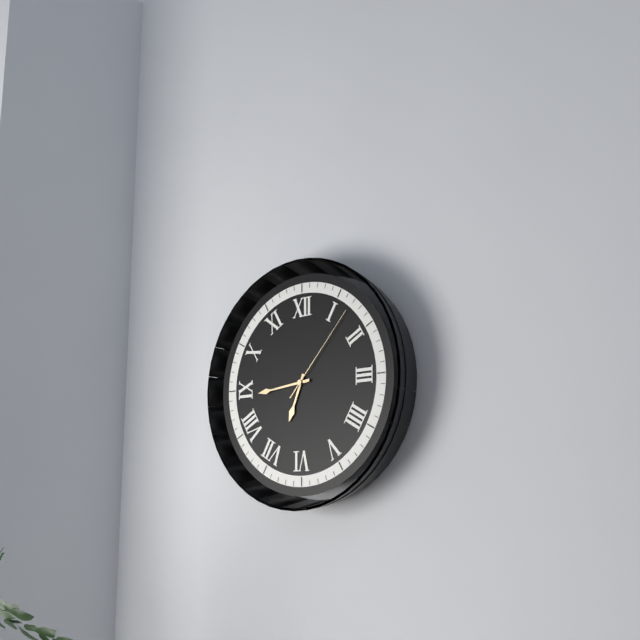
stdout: 6 h 44 min 07 s
